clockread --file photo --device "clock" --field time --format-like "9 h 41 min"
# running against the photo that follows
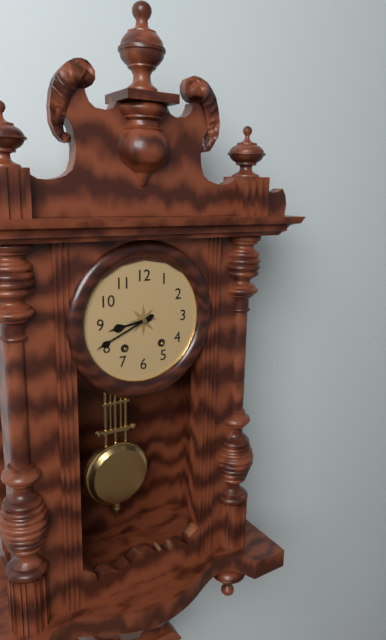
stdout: 8 h 41 min
